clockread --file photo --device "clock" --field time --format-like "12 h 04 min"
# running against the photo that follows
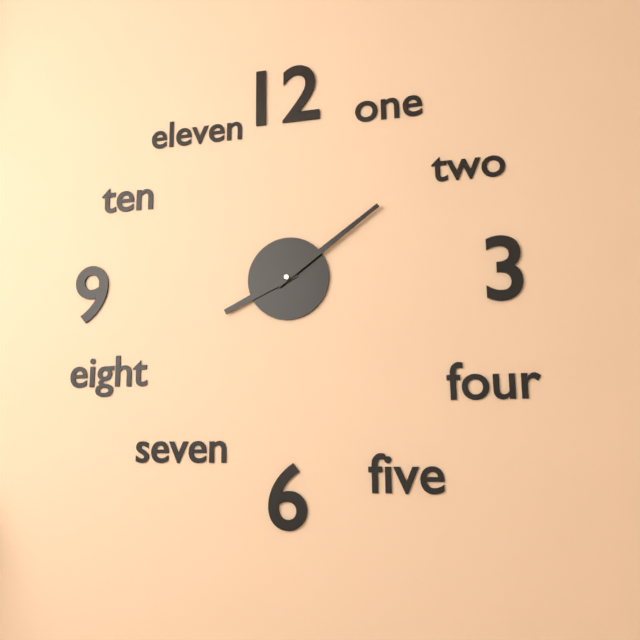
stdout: 8 h 09 min
